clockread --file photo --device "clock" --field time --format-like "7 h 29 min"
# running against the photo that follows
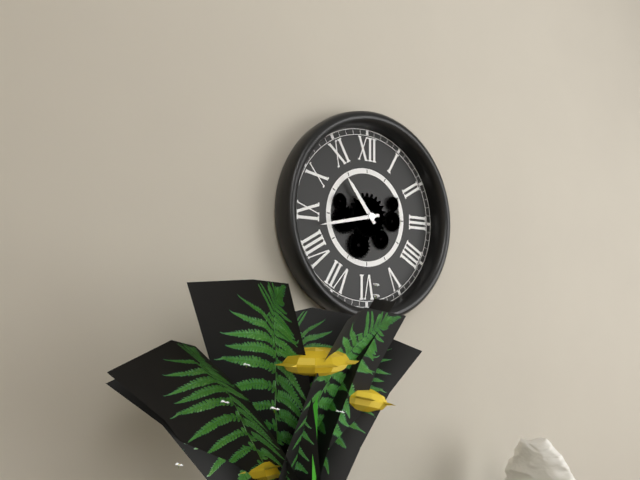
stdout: 10 h 43 min
